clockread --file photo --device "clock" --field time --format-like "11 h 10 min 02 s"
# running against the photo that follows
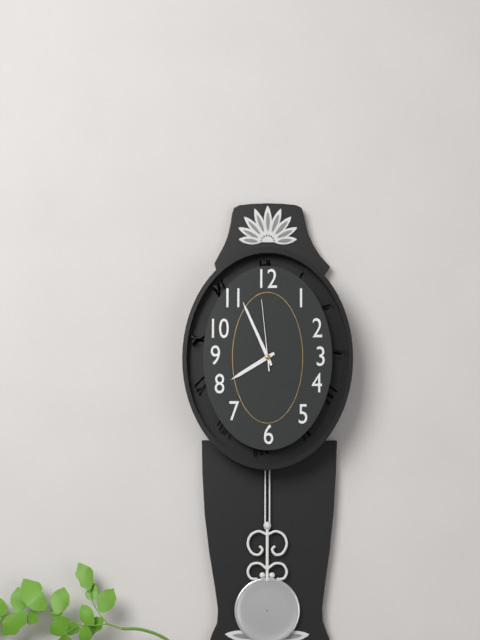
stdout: 7 h 56 min 59 s
